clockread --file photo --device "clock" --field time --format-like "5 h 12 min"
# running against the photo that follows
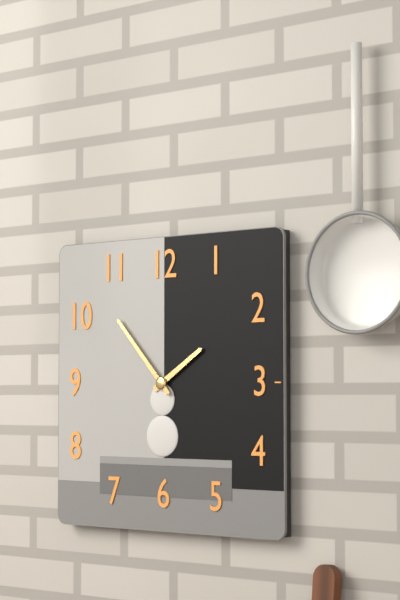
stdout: 1 h 53 min
